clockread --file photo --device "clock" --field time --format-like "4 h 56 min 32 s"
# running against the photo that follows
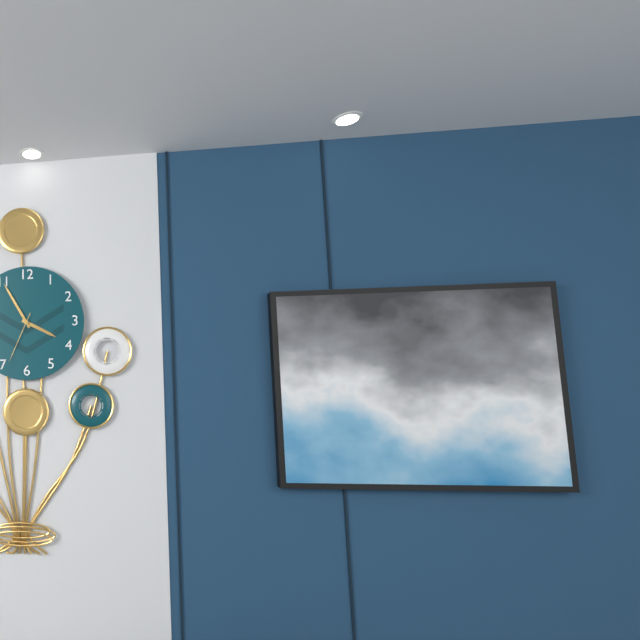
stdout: 3 h 55 min 34 s
